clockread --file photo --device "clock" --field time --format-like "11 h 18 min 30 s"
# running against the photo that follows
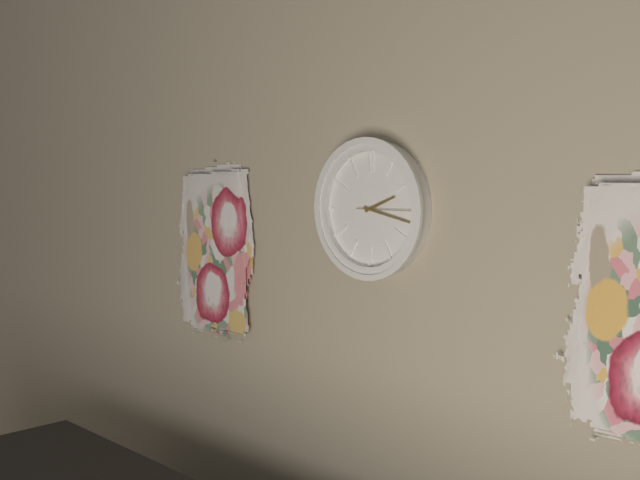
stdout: 2 h 17 min 15 s
